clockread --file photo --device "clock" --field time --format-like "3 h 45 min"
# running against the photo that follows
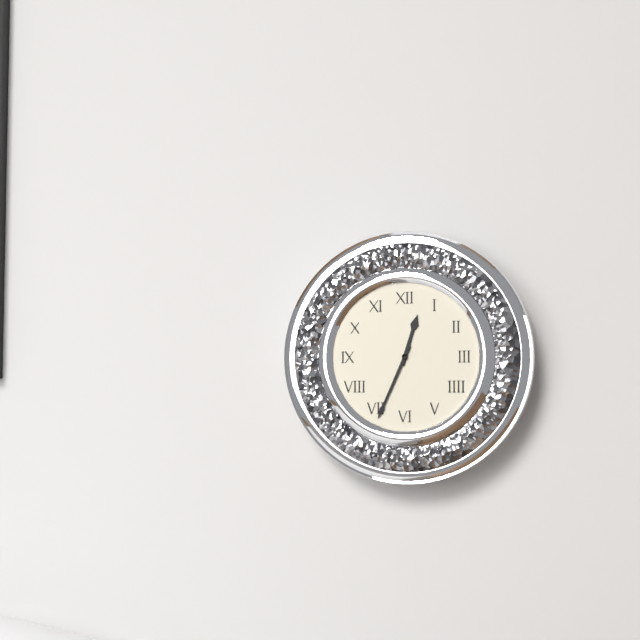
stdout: 12 h 34 min
